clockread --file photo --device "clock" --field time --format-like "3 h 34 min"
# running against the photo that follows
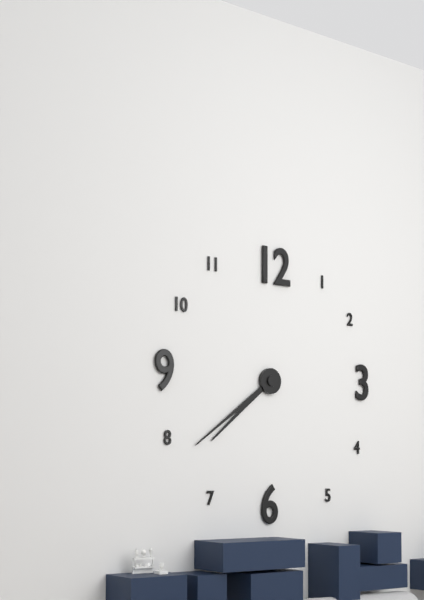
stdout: 7 h 39 min
